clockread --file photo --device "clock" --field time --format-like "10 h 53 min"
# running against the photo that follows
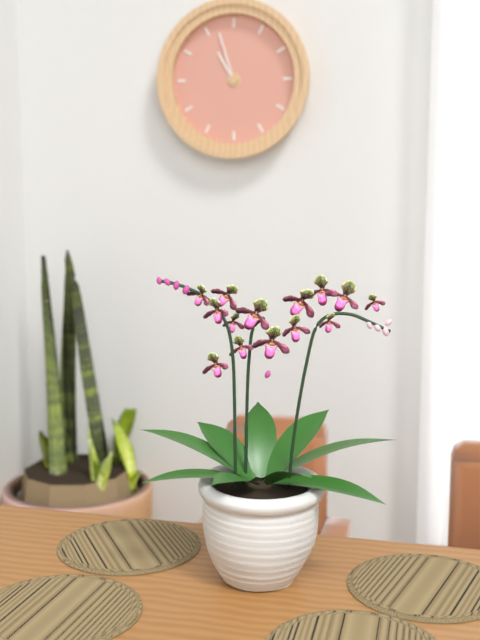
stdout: 10 h 57 min
